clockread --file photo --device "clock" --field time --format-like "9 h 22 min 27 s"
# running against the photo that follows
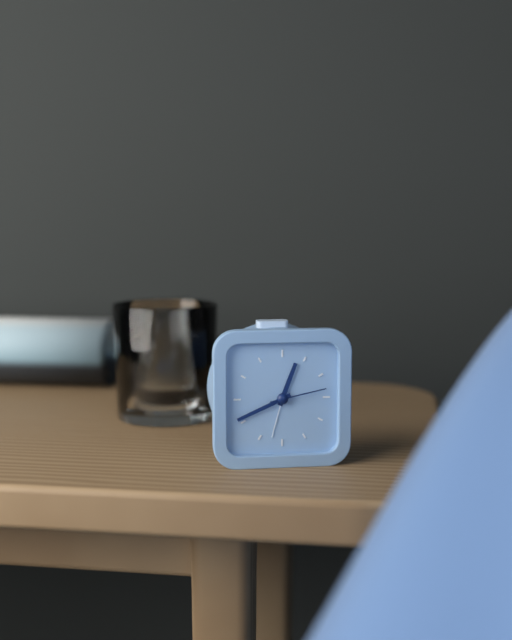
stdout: 12 h 41 min 13 s
